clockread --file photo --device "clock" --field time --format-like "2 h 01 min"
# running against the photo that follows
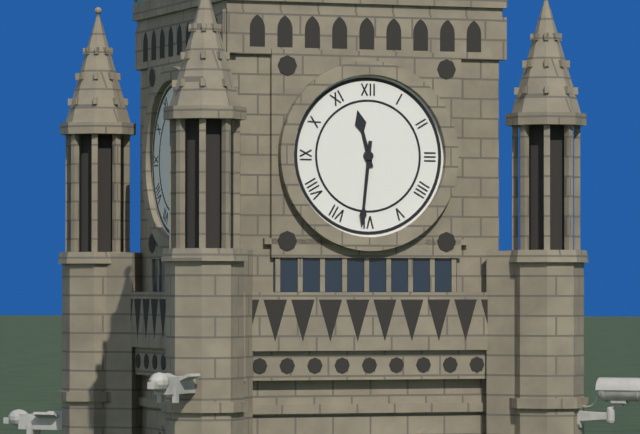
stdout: 11 h 31 min
